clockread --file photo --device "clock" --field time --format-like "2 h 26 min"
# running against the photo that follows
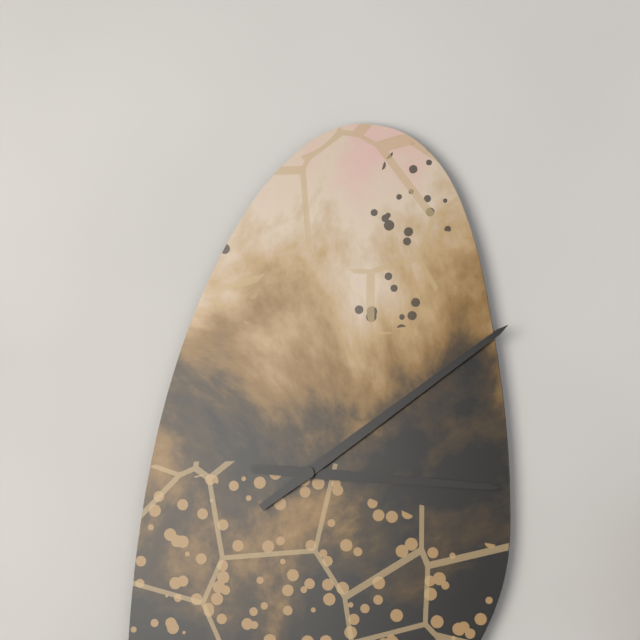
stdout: 3 h 09 min
